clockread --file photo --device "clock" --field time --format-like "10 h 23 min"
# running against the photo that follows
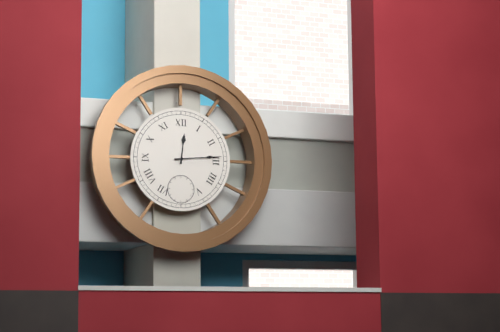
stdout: 12 h 14 min
